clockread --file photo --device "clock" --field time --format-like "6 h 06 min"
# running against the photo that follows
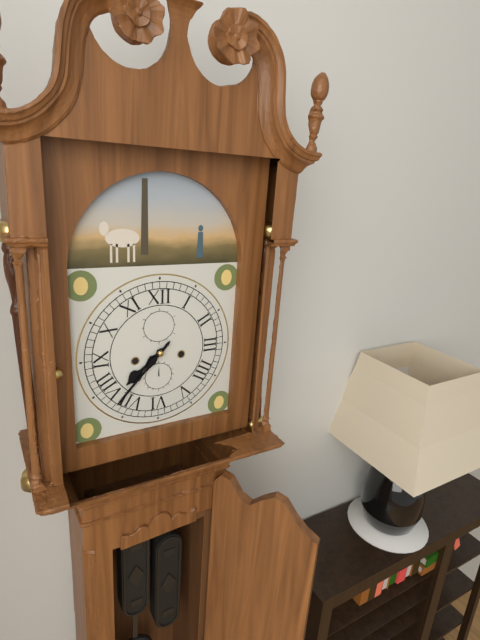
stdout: 7 h 37 min
